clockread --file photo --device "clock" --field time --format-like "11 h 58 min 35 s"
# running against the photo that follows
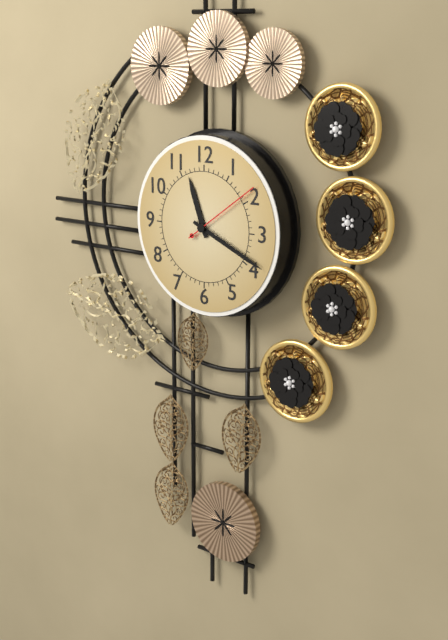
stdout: 11 h 19 min 09 s
